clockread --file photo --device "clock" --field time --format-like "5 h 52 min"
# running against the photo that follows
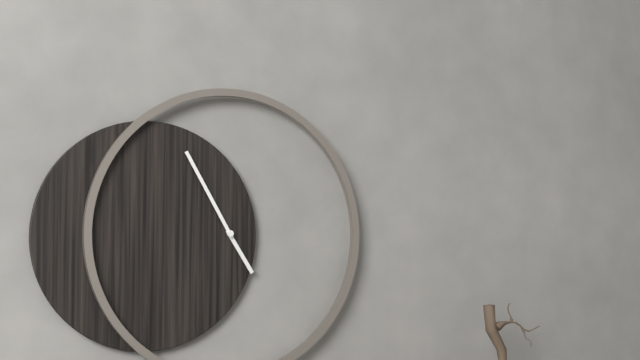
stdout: 4 h 55 min
